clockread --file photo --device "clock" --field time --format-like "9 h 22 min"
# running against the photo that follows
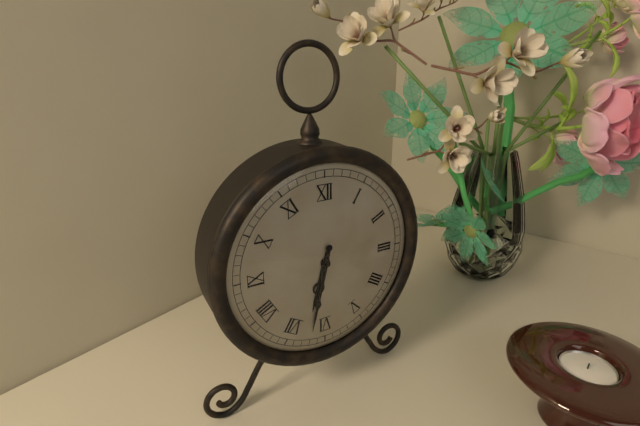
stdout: 6 h 32 min
